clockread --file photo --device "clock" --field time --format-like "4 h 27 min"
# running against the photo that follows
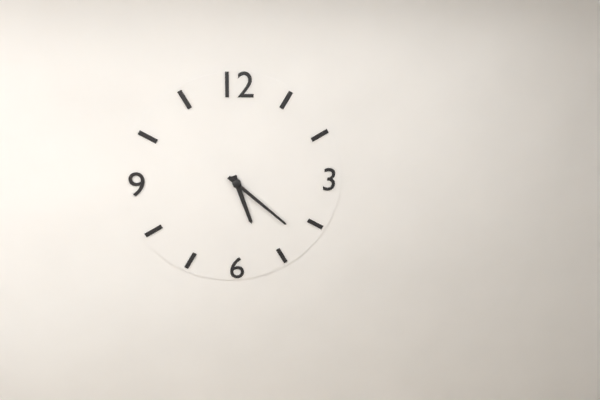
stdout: 5 h 22 min
